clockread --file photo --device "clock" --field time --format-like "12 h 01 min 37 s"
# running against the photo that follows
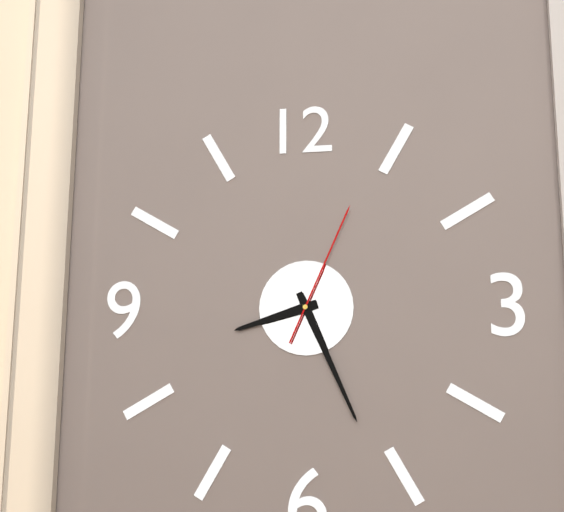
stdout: 8 h 26 min 04 s
